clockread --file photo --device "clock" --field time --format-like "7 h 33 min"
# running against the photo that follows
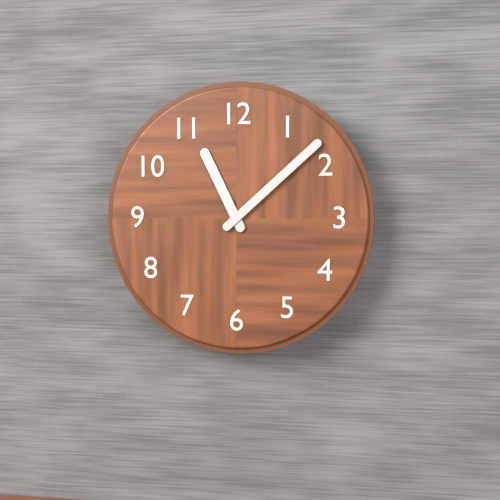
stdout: 11 h 08 min
